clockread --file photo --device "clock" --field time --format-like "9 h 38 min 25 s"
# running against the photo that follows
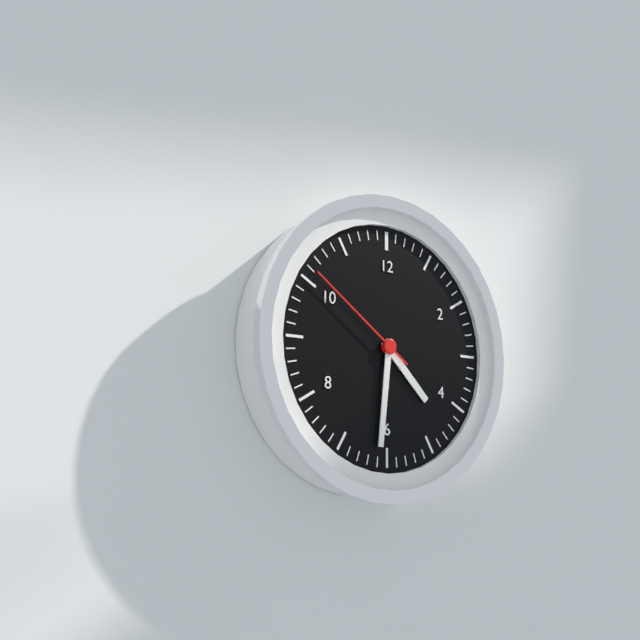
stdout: 4 h 31 min 51 s
